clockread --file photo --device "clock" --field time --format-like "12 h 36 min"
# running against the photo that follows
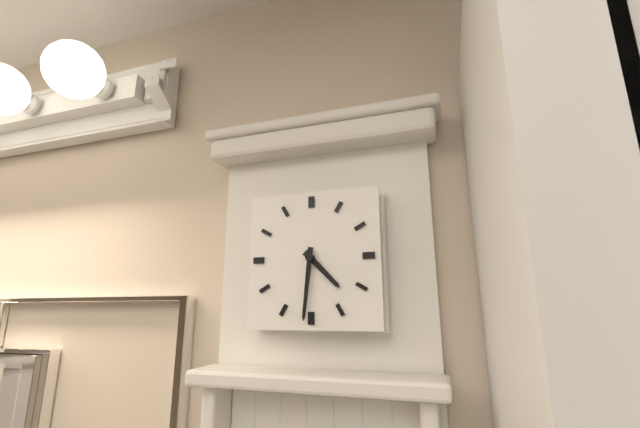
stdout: 4 h 31 min
